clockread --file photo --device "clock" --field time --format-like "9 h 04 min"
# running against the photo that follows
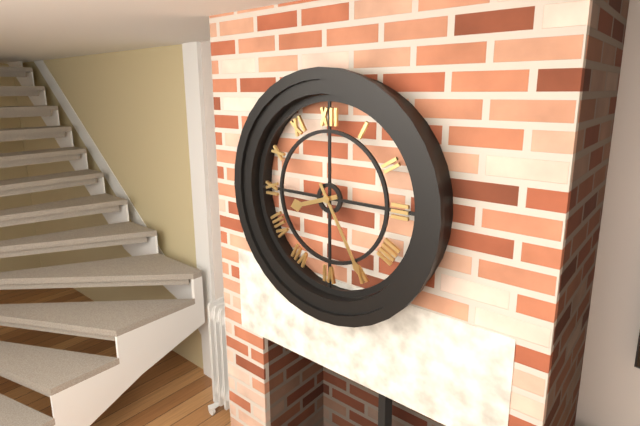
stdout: 8 h 25 min
